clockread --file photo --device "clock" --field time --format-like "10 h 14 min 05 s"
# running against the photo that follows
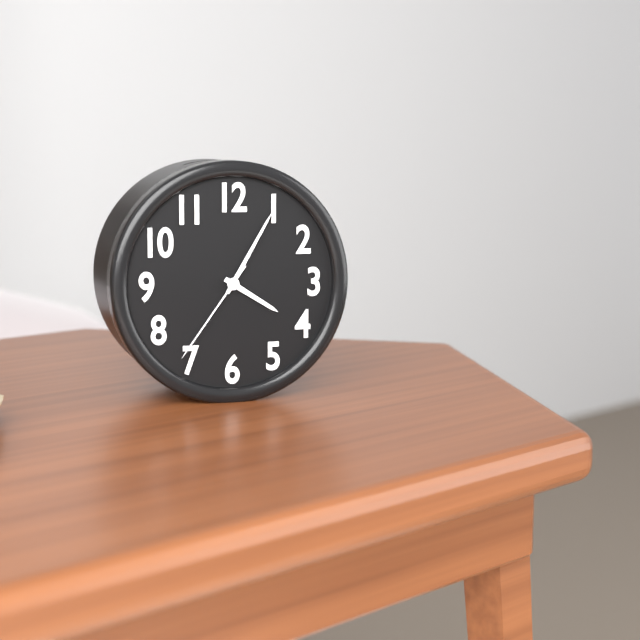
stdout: 4 h 05 min 36 s
